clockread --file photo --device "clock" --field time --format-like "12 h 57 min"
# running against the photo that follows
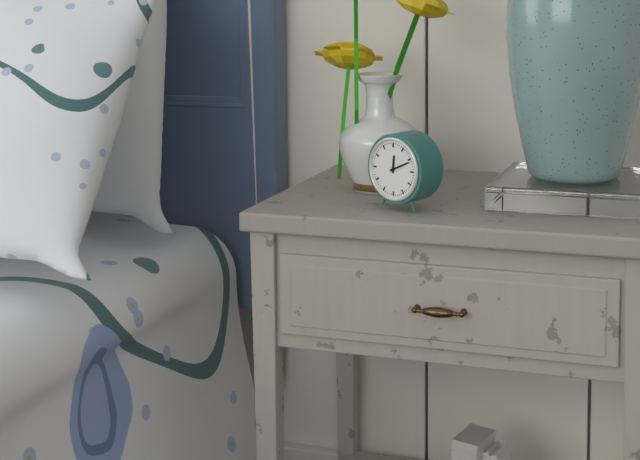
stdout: 12 h 11 min
